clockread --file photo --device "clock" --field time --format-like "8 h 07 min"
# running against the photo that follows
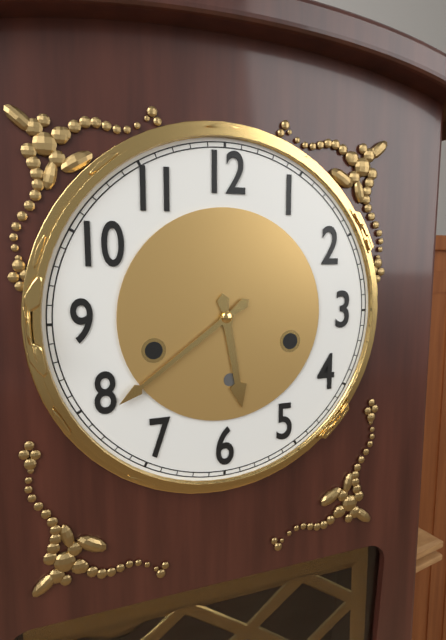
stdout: 5 h 39 min
